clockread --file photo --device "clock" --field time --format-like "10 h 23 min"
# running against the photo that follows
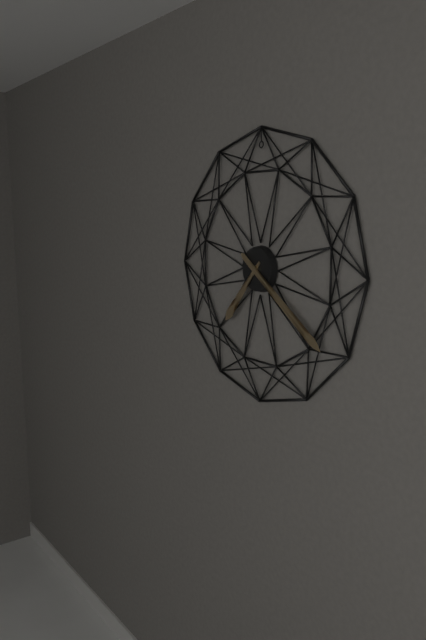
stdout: 7 h 21 min
